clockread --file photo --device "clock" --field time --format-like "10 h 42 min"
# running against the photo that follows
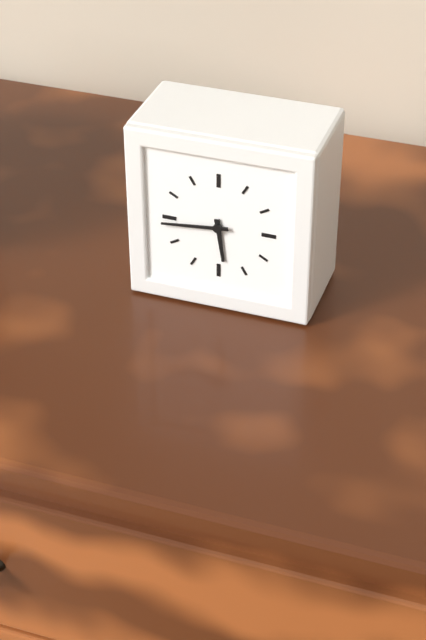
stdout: 5 h 44 min
